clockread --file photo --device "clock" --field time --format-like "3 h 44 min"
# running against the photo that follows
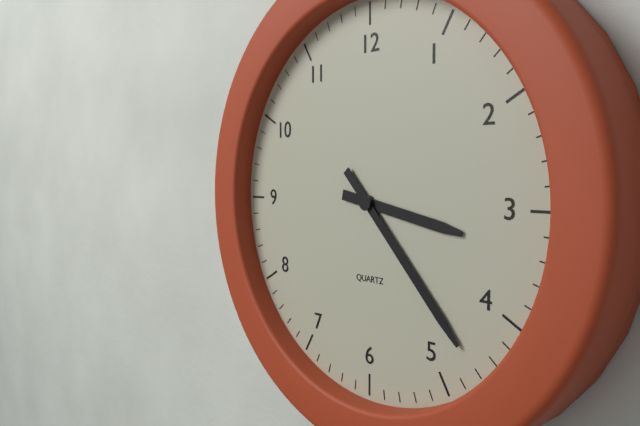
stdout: 3 h 23 min
